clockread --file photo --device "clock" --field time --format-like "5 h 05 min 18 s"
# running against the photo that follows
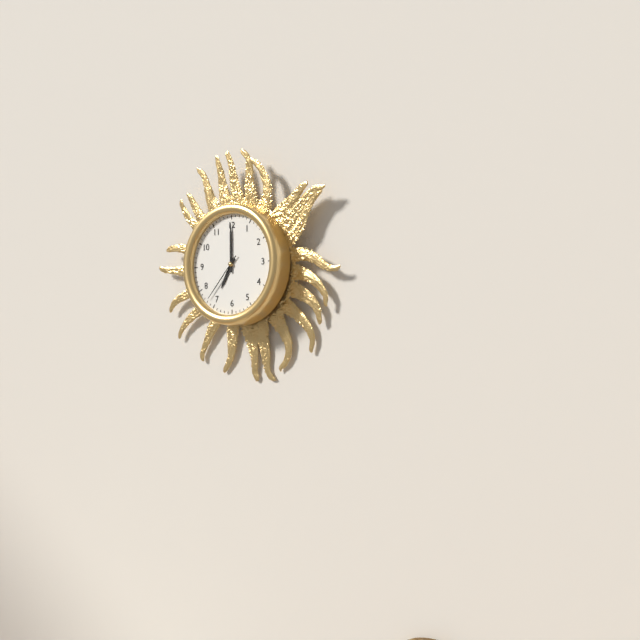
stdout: 7 h 00 min 37 s
